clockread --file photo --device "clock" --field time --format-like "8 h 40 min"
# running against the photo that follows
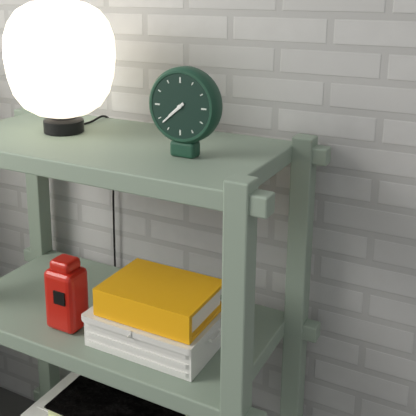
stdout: 7 h 38 min
